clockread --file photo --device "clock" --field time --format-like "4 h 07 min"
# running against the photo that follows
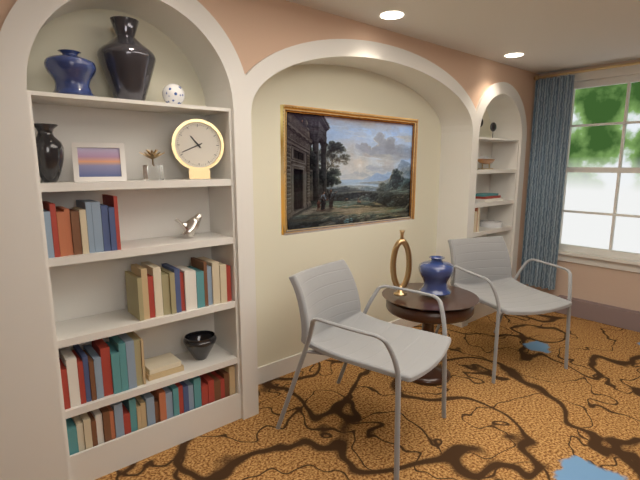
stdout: 10 h 41 min
